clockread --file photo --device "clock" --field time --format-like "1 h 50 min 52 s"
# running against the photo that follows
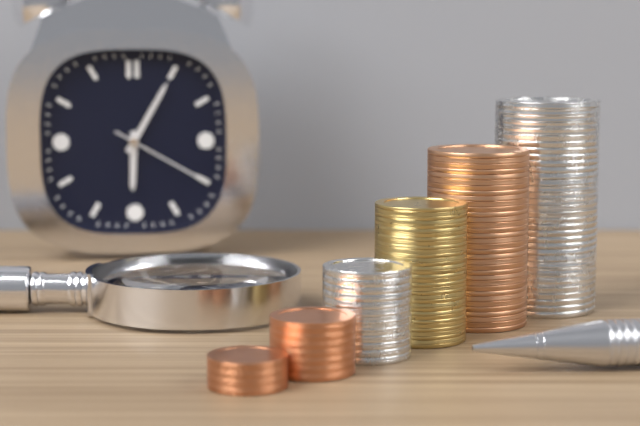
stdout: 6 h 05 min 20 s
